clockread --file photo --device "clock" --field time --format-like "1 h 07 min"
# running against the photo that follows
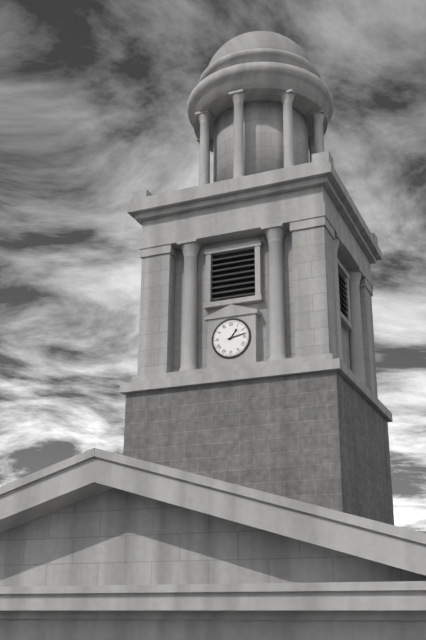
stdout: 1 h 13 min
